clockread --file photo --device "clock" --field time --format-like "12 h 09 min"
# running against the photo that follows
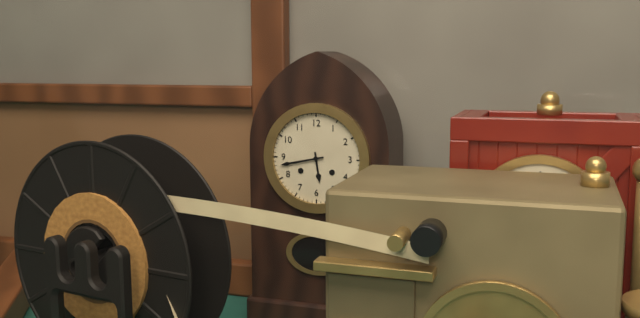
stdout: 5 h 43 min
